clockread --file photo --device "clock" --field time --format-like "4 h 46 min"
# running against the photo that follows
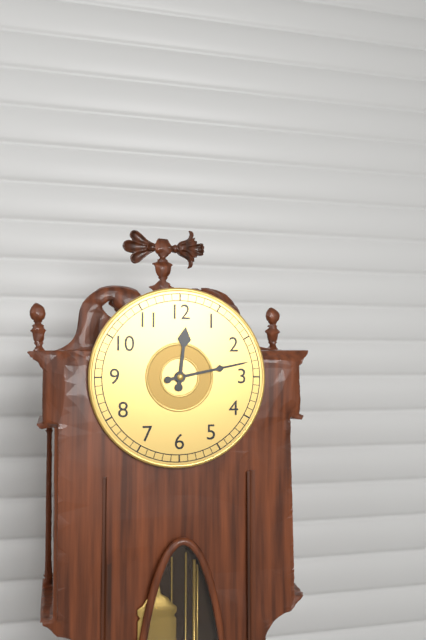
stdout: 12 h 13 min
